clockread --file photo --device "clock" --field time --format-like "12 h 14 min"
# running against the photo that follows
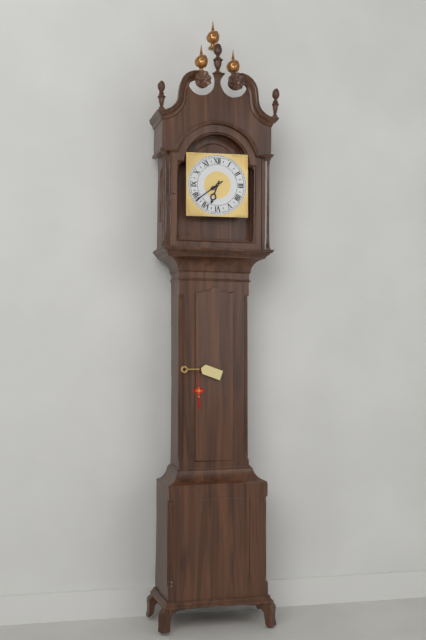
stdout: 6 h 39 min
